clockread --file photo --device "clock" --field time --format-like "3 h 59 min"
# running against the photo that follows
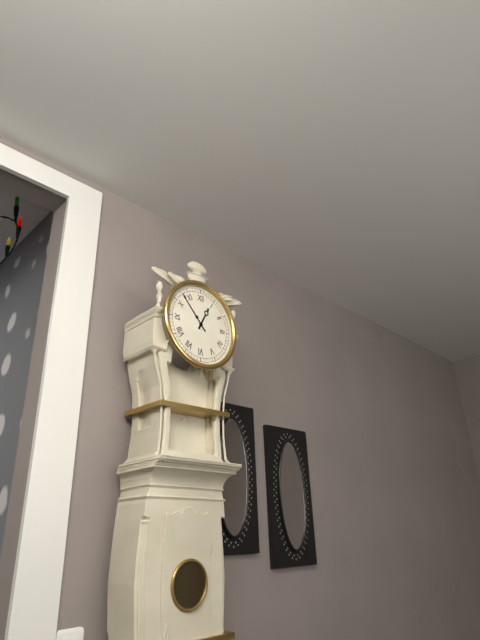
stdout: 12 h 53 min
